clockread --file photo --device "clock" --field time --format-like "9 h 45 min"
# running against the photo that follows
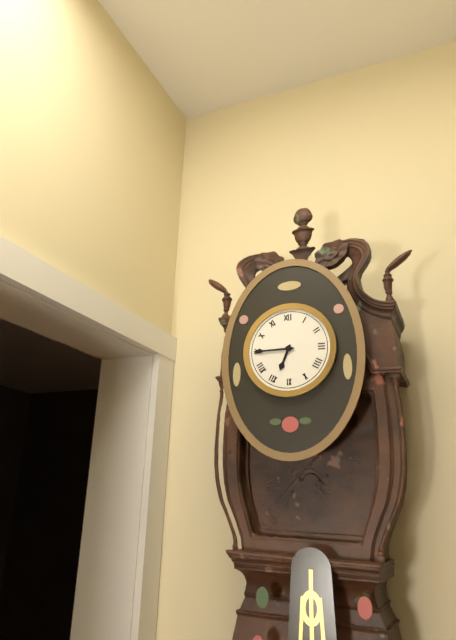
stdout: 6 h 45 min
